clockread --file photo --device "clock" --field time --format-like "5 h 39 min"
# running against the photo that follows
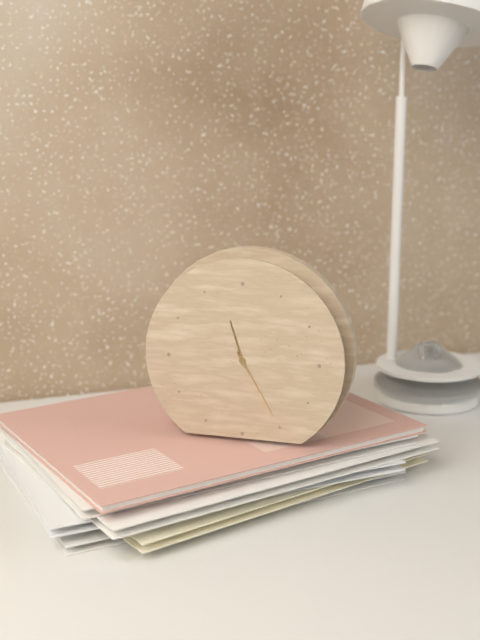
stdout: 11 h 25 min
